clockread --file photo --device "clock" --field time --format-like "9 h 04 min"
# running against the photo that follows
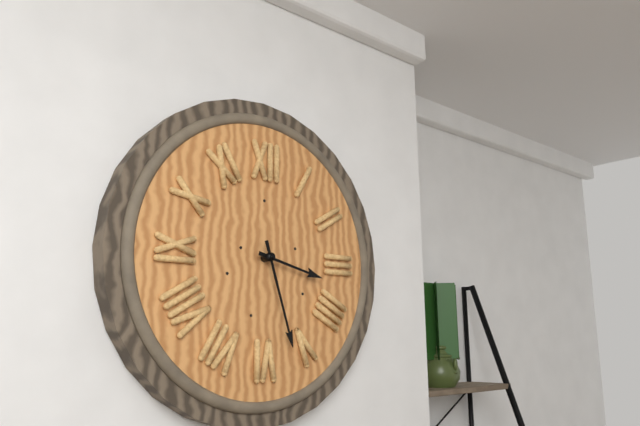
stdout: 3 h 27 min
